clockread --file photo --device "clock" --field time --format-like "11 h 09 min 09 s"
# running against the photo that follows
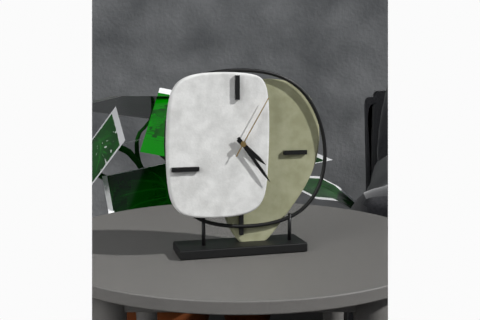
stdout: 4 h 24 min 05 s
